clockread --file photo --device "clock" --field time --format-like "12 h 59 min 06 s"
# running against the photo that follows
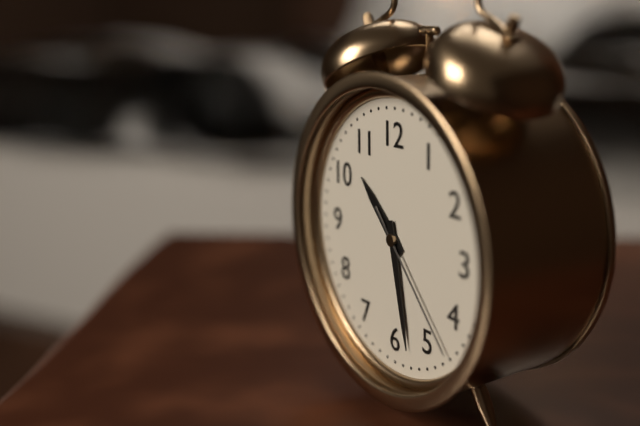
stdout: 10 h 28 min 23 s
